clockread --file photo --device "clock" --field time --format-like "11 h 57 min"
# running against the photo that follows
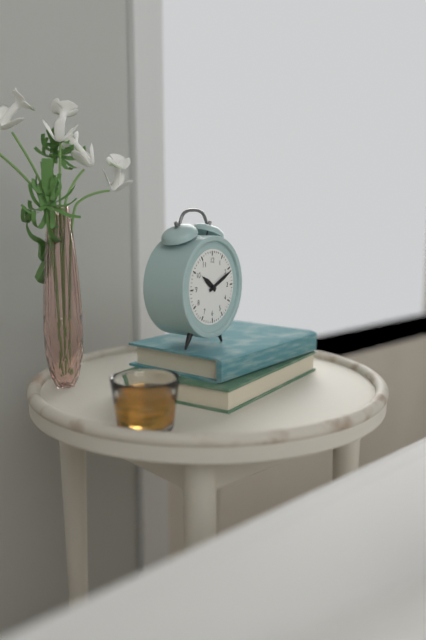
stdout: 10 h 11 min
